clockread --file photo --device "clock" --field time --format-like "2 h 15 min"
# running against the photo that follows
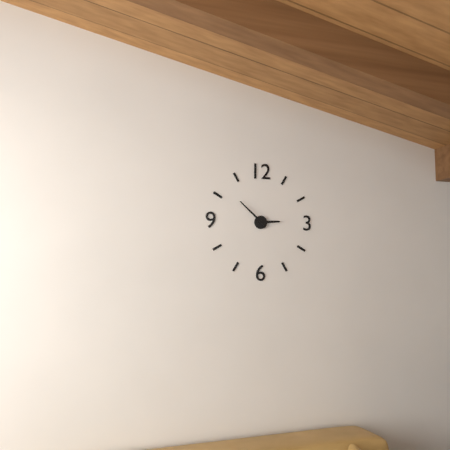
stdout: 2 h 52 min
